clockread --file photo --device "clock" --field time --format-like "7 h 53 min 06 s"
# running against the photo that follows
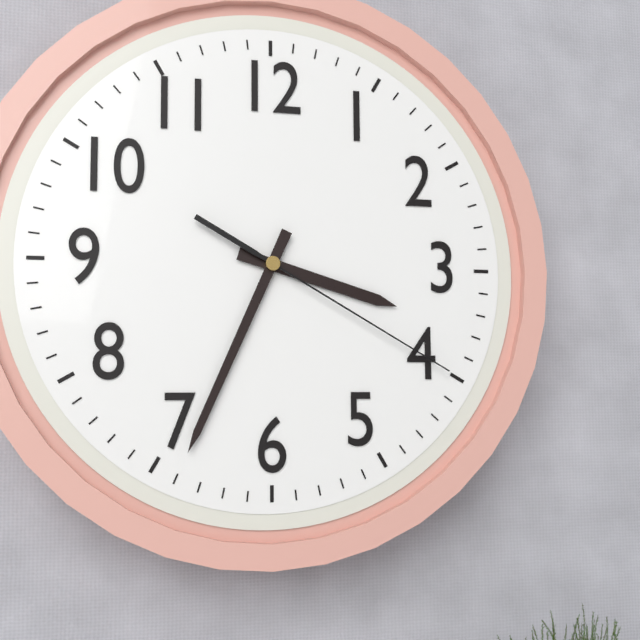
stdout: 3 h 34 min 20 s
